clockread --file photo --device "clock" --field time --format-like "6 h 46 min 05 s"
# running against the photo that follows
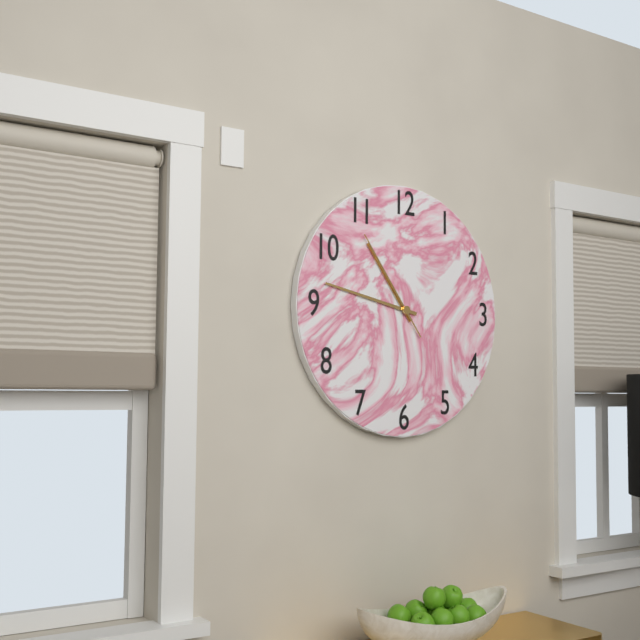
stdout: 10 h 47 min 54 s
